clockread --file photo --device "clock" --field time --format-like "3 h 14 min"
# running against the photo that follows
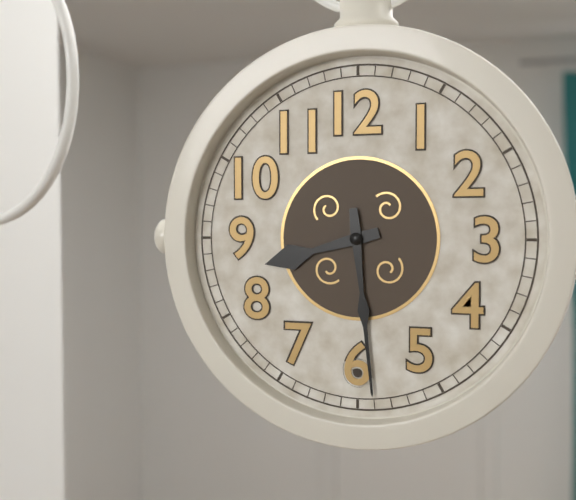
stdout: 8 h 29 min
